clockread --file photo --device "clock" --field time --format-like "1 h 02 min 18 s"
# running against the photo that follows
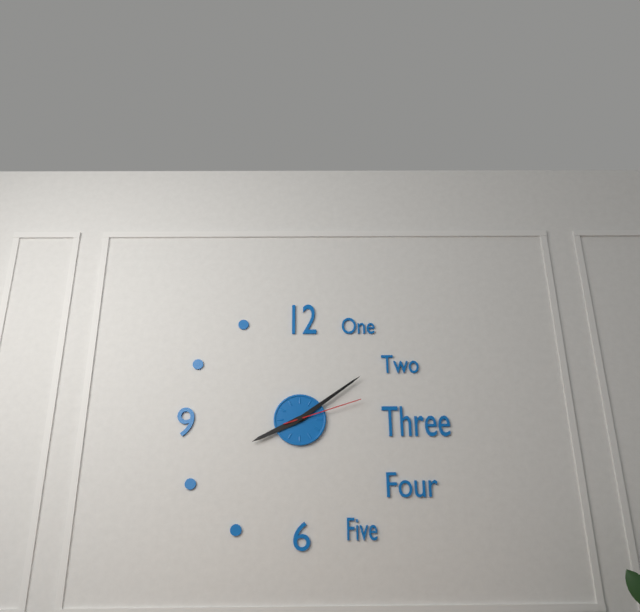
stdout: 8 h 09 min 12 s
